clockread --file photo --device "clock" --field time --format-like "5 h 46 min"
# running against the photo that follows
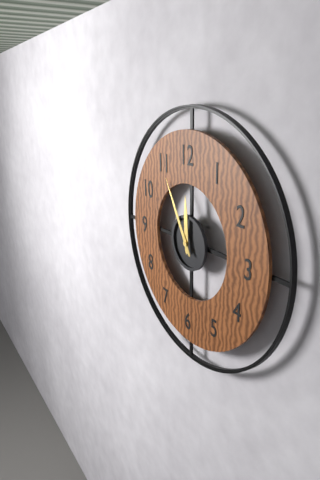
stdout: 11 h 55 min
